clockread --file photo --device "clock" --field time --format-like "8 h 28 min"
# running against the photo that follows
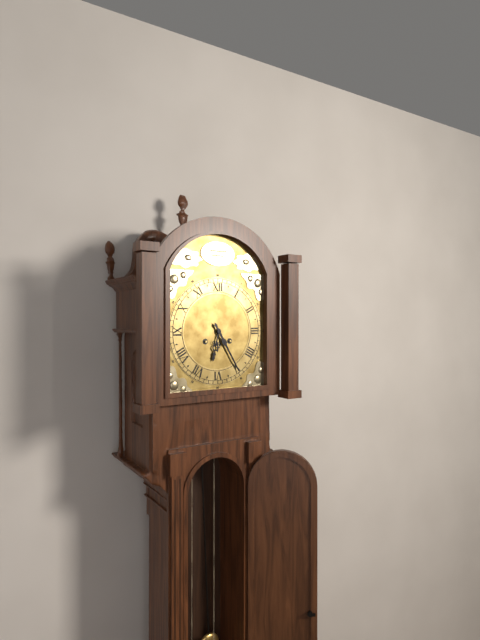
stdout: 6 h 25 min
